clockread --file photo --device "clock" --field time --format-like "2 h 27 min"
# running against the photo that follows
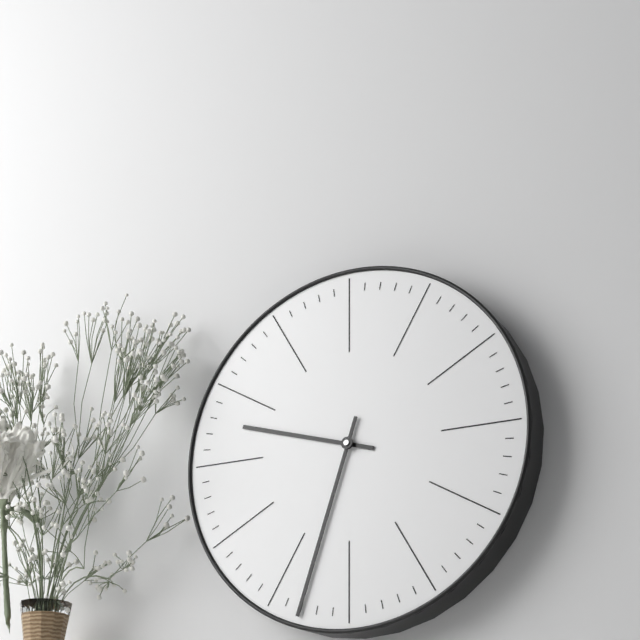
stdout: 9 h 33 min
